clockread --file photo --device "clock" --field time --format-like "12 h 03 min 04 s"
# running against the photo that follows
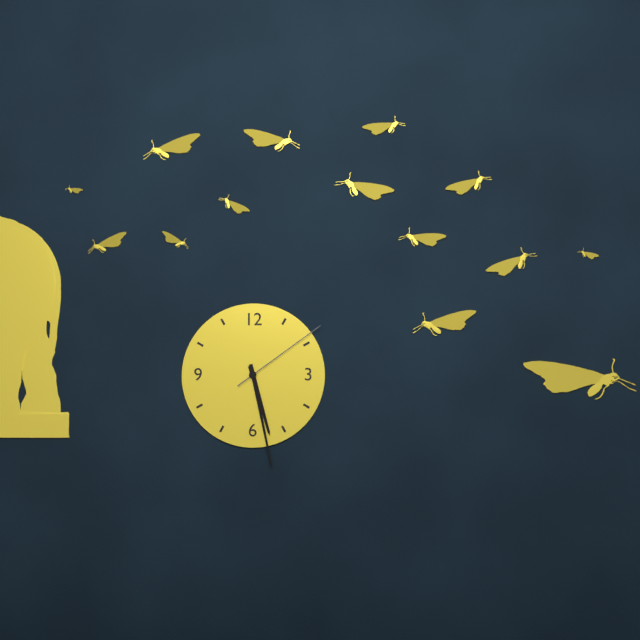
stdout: 5 h 28 min 09 s
